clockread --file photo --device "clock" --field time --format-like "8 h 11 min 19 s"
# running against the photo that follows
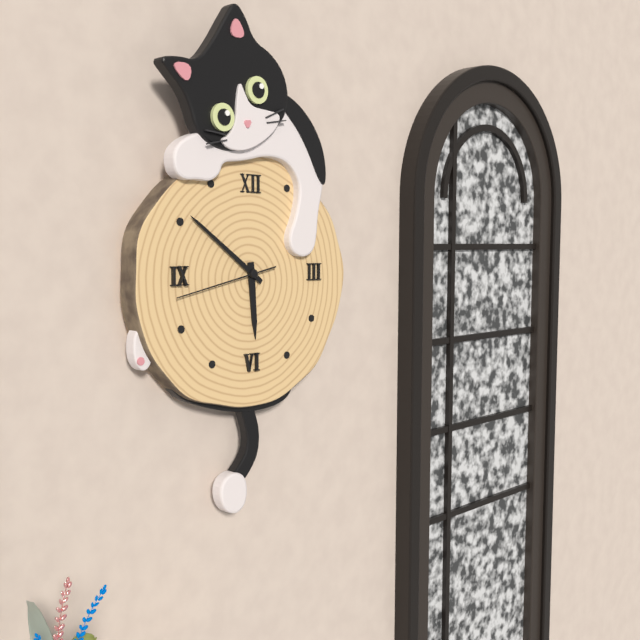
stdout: 5 h 51 min 43 s
